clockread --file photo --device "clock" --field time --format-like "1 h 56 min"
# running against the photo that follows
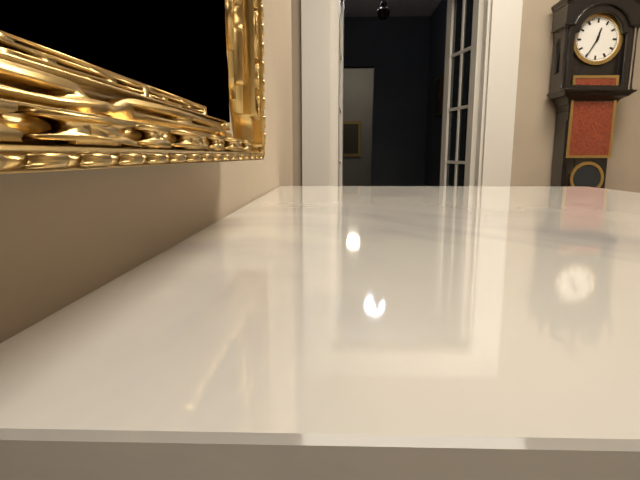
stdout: 12 h 35 min
